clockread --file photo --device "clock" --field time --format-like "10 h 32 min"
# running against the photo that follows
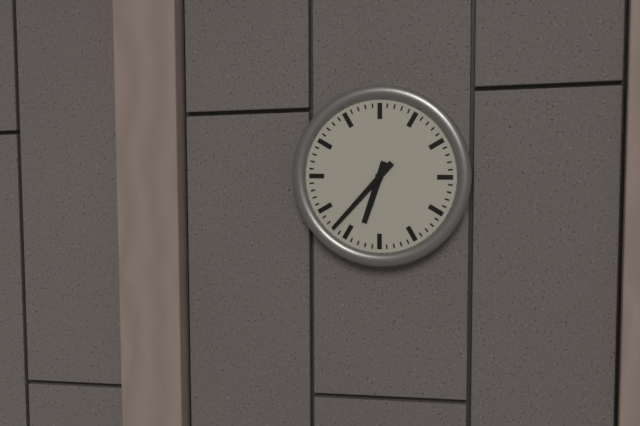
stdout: 6 h 37 min
